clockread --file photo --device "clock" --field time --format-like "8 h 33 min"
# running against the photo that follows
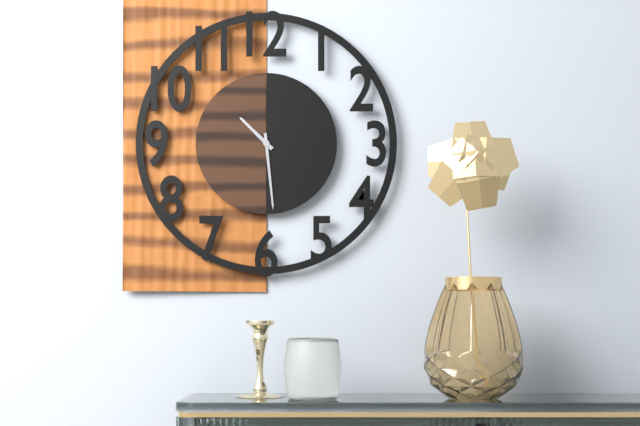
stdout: 10 h 29 min
